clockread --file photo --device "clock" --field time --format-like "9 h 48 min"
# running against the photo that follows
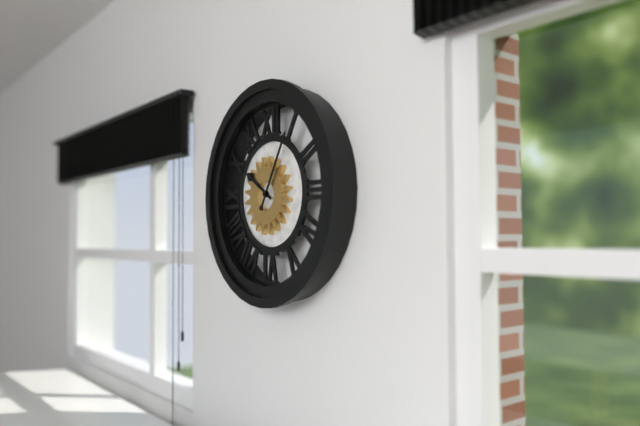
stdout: 10 h 05 min
